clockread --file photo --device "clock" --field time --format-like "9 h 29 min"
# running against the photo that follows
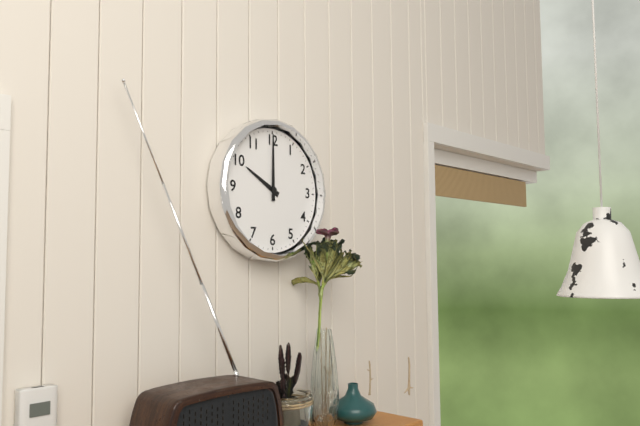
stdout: 10 h 00 min
